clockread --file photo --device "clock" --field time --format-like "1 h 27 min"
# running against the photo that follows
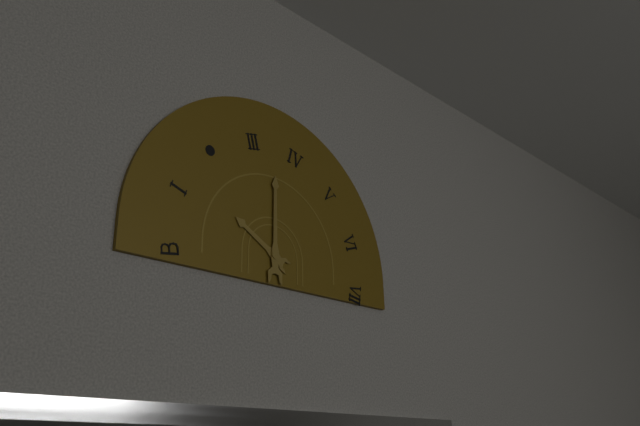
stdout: 10 h 00 min
